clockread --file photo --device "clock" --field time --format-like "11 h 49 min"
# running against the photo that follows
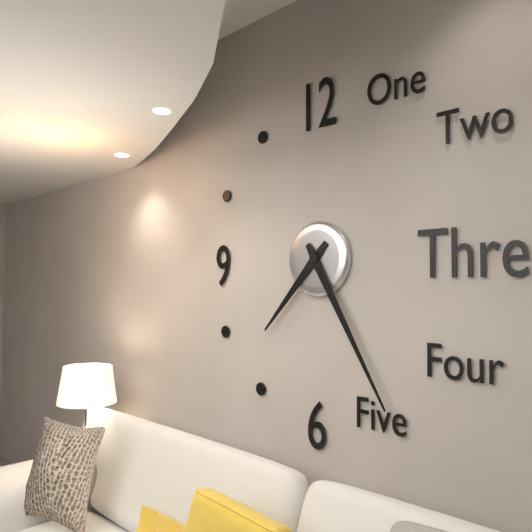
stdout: 7 h 25 min
